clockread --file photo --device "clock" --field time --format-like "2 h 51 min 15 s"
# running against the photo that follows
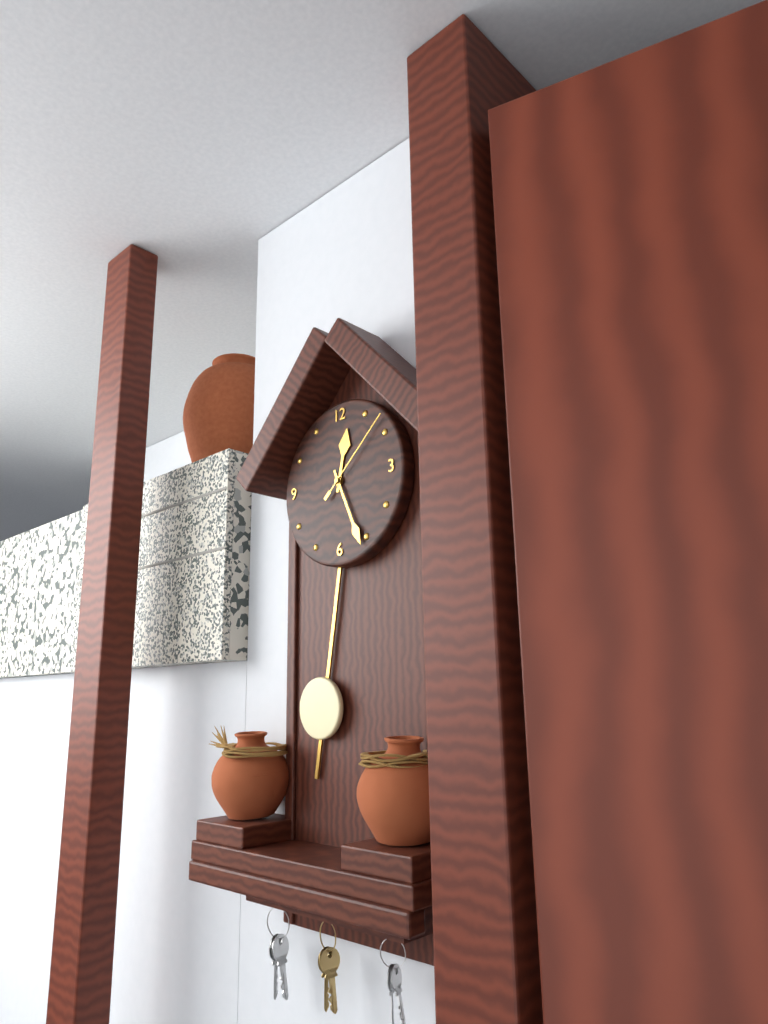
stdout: 12 h 26 min 08 s
